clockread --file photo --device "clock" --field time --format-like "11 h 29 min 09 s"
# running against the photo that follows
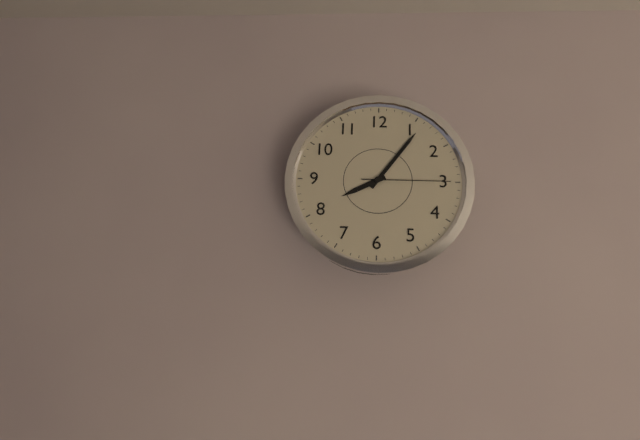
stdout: 8 h 06 min 15 s
